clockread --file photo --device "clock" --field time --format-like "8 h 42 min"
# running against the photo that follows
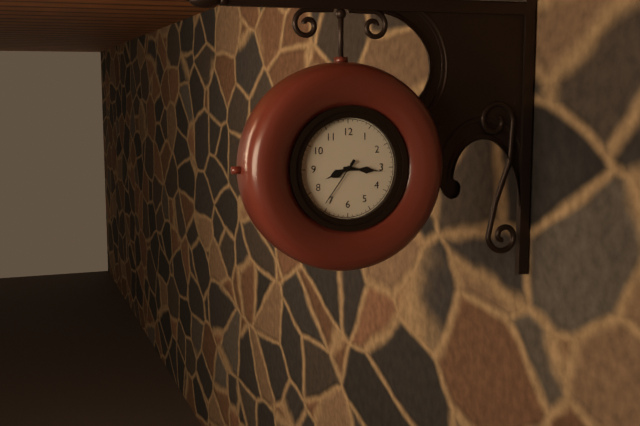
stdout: 8 h 16 min
